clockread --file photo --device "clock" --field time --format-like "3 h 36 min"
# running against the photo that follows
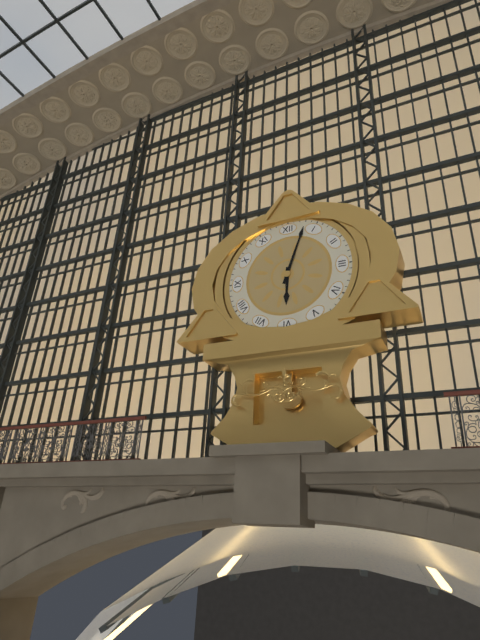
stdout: 6 h 03 min
